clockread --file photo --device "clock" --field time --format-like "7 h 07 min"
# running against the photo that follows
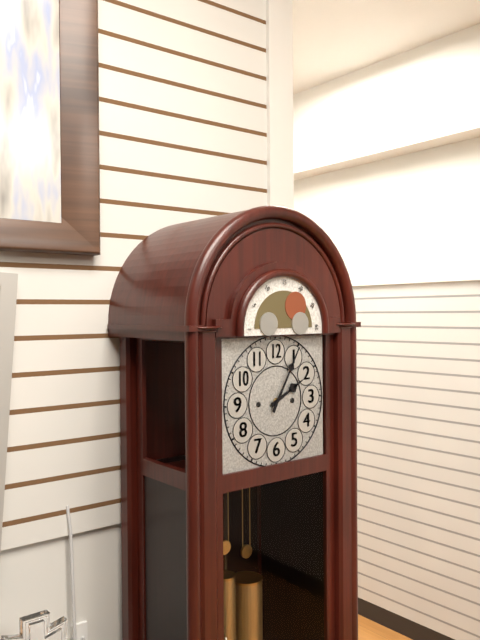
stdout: 2 h 05 min
